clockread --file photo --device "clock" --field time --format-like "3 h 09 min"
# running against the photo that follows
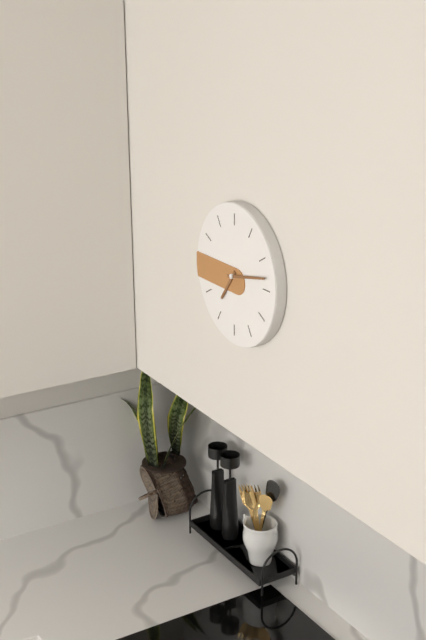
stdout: 7 h 13 min
